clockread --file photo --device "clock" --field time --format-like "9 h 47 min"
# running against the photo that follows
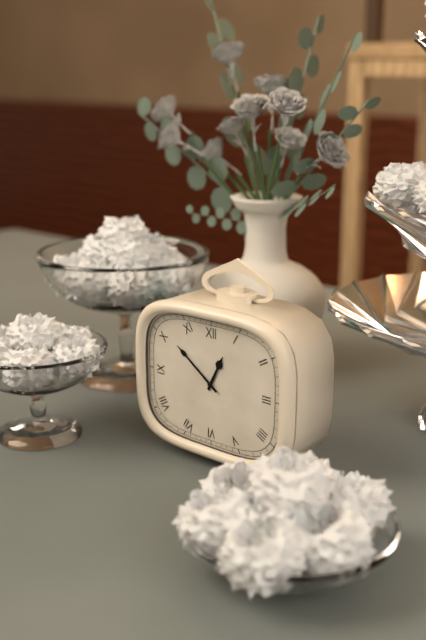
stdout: 12 h 51 min
